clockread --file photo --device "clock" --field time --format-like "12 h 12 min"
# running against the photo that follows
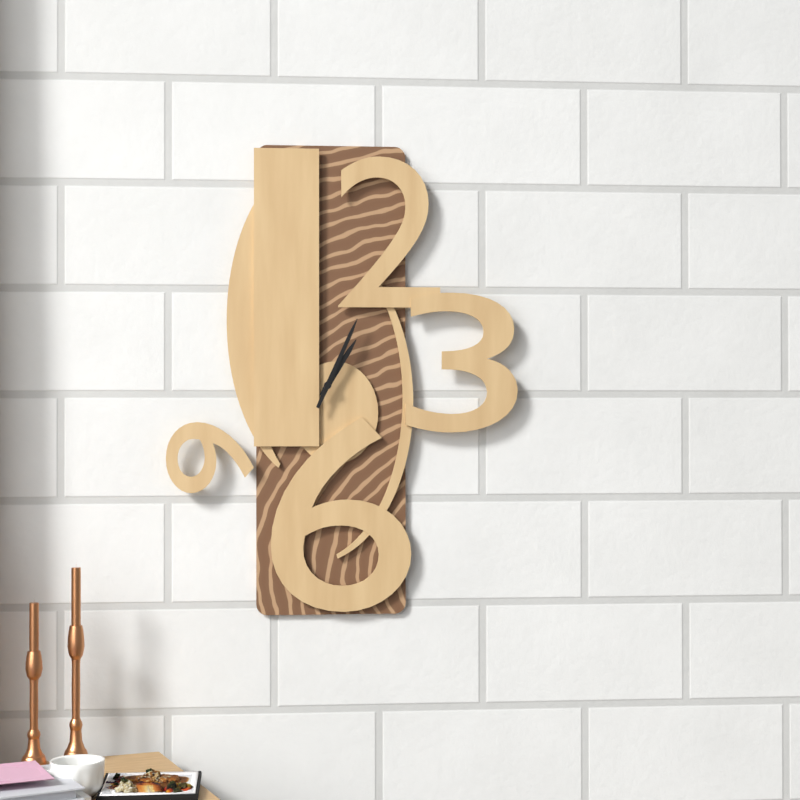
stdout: 1 h 04 min
